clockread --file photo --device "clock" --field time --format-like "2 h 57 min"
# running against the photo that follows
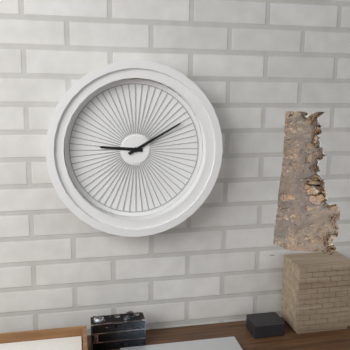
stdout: 9 h 10 min
